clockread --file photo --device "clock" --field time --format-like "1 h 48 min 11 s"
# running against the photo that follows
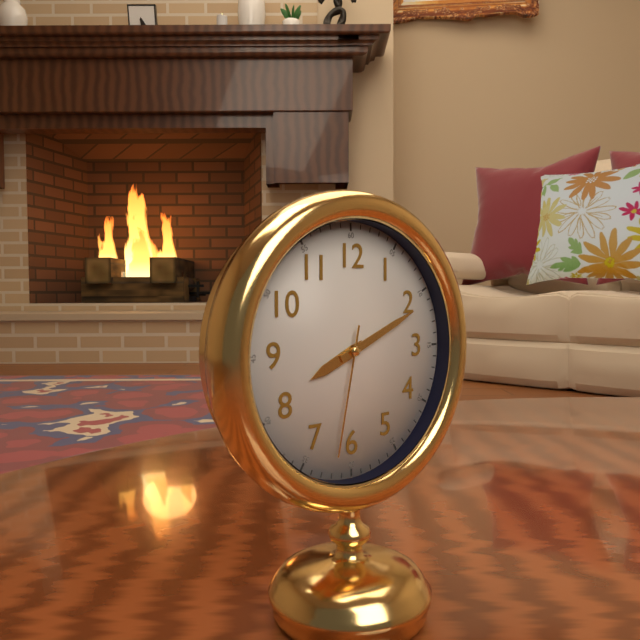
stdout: 8 h 11 min 32 s
